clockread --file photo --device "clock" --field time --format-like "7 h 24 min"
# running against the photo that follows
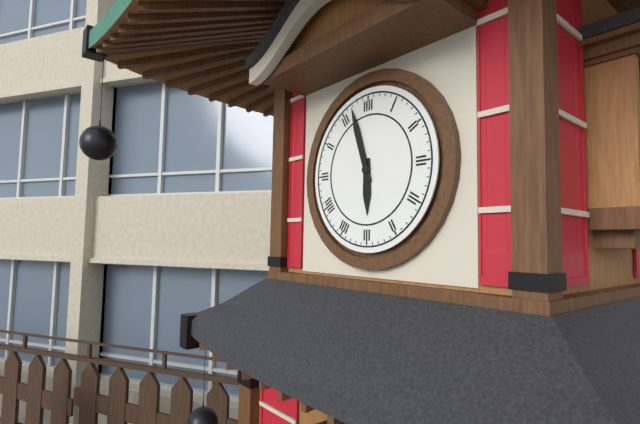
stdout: 5 h 57 min
